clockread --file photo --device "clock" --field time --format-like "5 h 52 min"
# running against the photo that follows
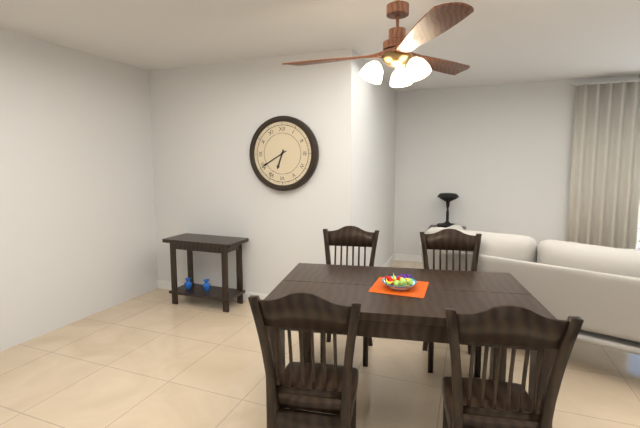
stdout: 6 h 40 min
